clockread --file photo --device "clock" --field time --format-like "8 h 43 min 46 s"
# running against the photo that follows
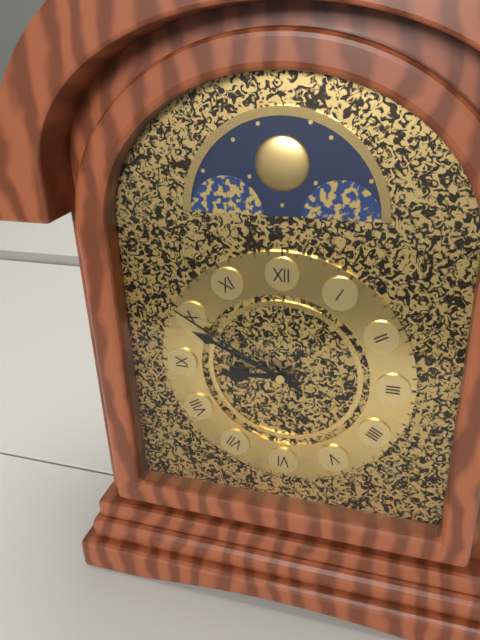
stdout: 8 h 49 min 50 s
